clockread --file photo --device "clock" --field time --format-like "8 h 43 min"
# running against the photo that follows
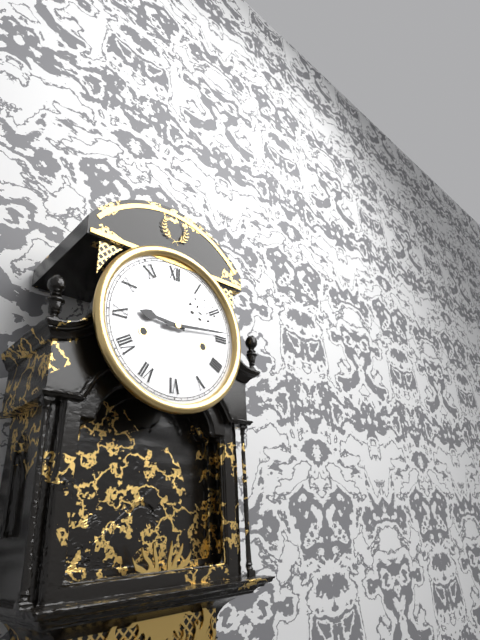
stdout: 9 h 14 min
